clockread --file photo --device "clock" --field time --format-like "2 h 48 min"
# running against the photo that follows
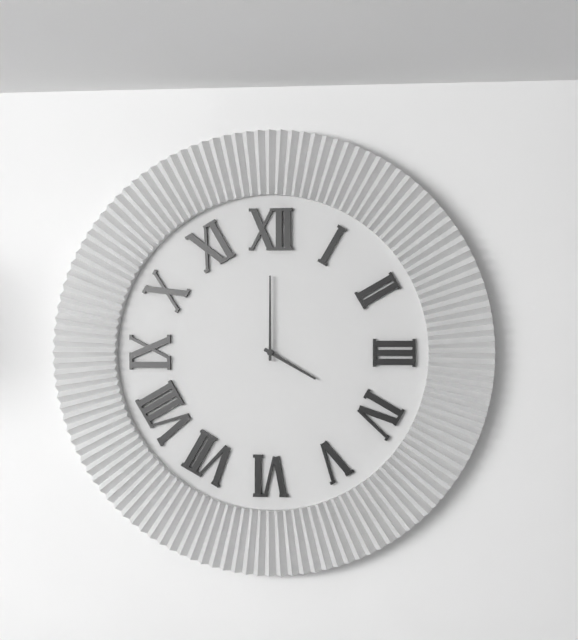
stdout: 4 h 00 min
